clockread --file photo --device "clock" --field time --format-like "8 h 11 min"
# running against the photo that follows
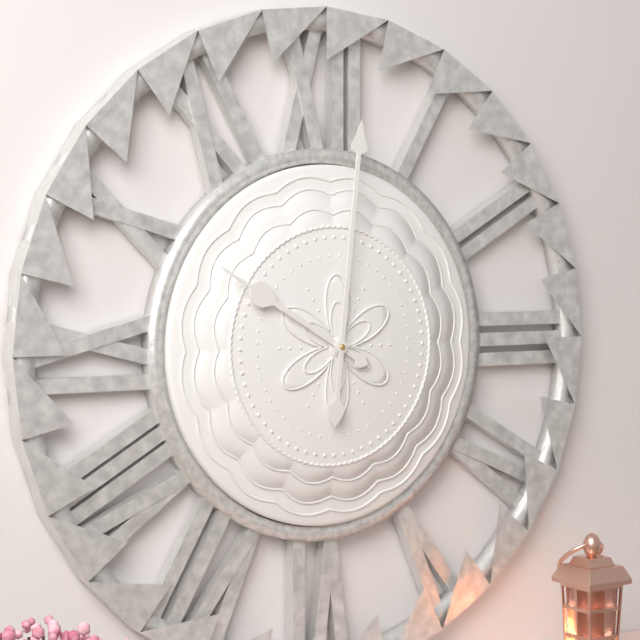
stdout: 10 h 01 min
